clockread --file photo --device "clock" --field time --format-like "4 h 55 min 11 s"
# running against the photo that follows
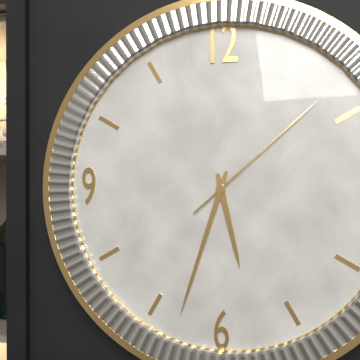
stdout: 5 h 33 min 08 s
